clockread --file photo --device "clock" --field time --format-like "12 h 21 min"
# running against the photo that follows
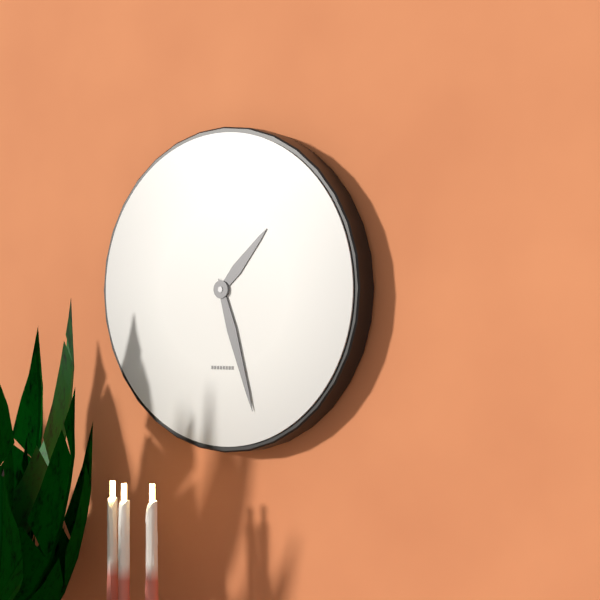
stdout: 1 h 27 min
